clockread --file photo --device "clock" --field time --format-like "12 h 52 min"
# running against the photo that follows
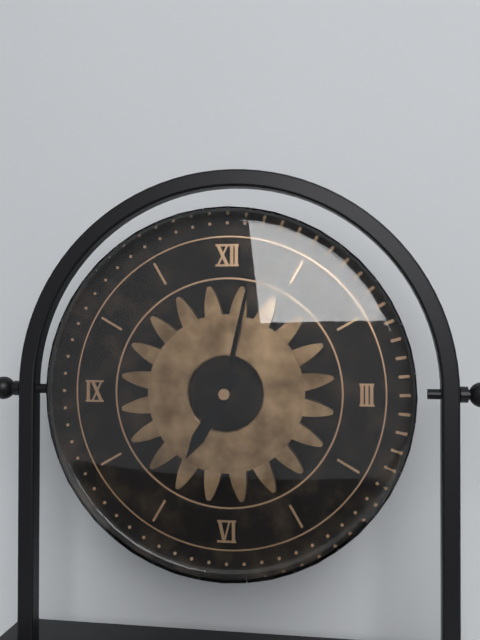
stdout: 7 h 02 min
